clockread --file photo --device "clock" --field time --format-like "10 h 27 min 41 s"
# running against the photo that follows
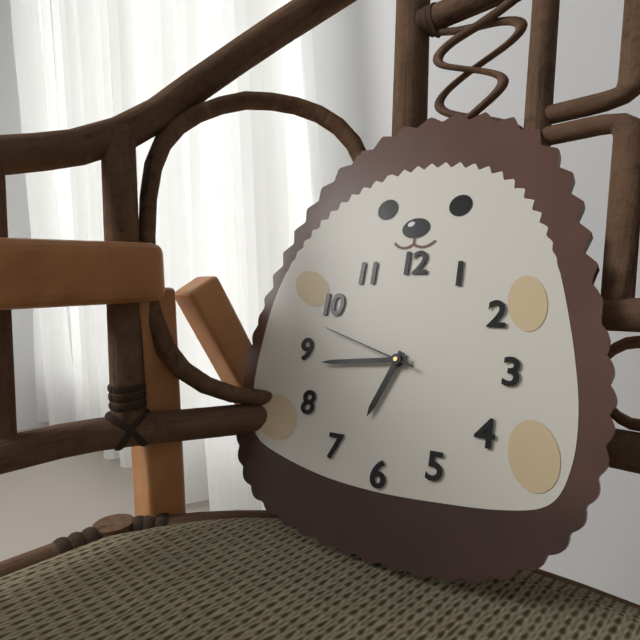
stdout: 6 h 44 min 48 s
